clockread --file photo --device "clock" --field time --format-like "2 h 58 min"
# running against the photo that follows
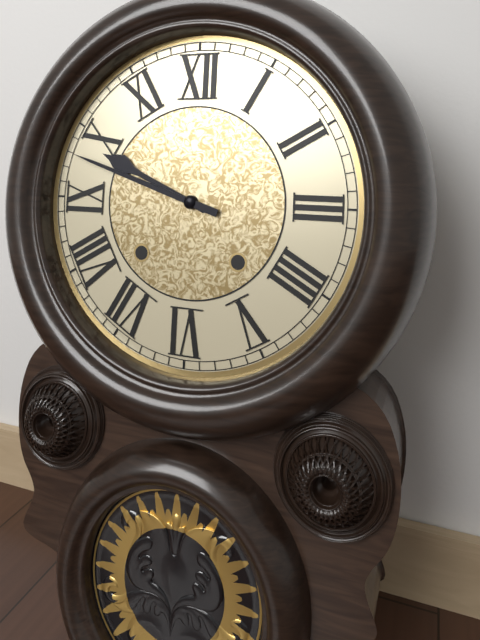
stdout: 9 h 48 min
